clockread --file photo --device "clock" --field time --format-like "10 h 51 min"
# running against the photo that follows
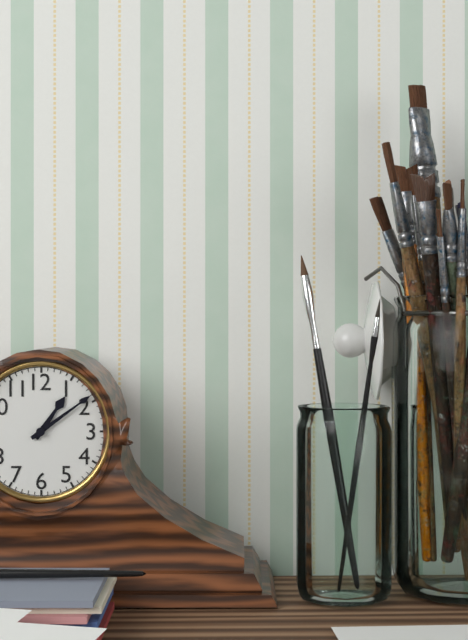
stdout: 1 h 09 min
